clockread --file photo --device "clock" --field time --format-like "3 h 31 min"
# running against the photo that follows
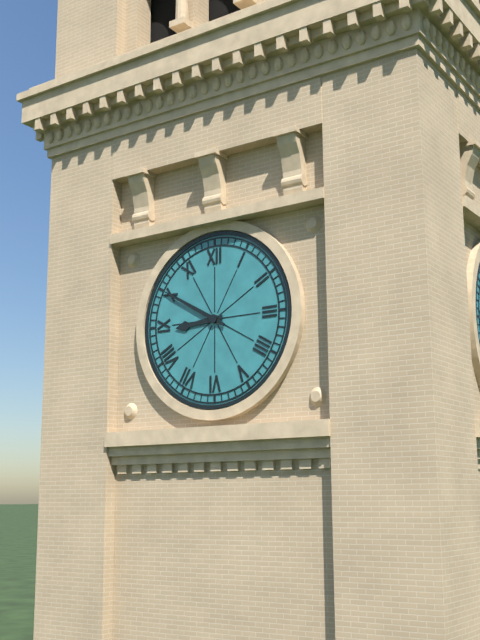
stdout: 8 h 50 min
